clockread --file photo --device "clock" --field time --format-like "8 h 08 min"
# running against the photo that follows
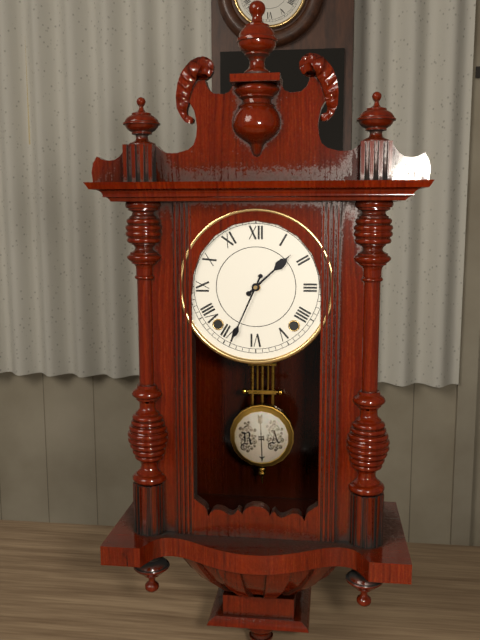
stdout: 1 h 34 min
